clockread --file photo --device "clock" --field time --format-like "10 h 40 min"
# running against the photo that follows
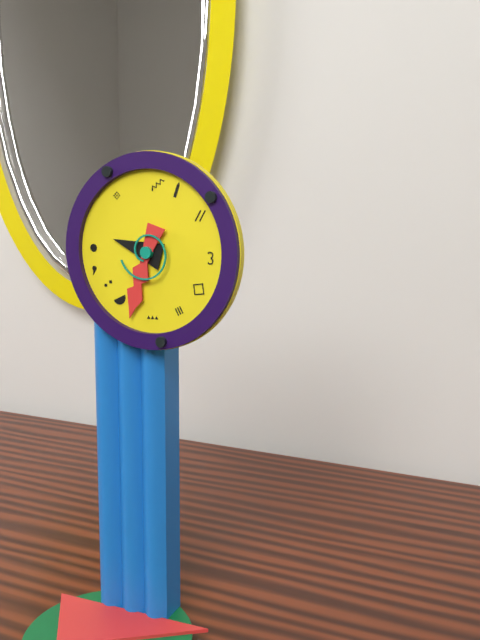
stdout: 9 h 33 min
